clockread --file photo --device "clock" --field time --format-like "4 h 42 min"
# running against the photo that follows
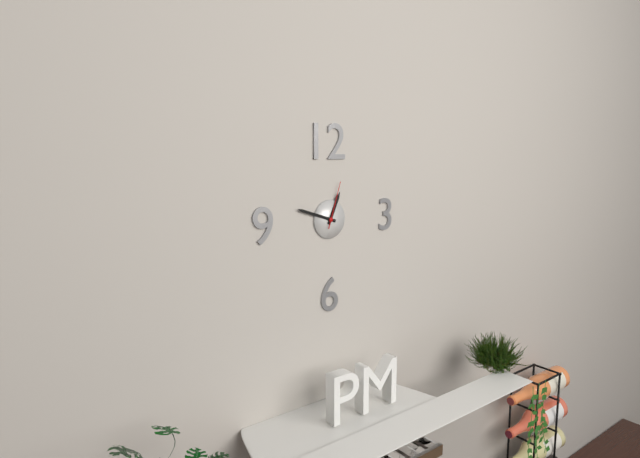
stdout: 12 h 48 min
